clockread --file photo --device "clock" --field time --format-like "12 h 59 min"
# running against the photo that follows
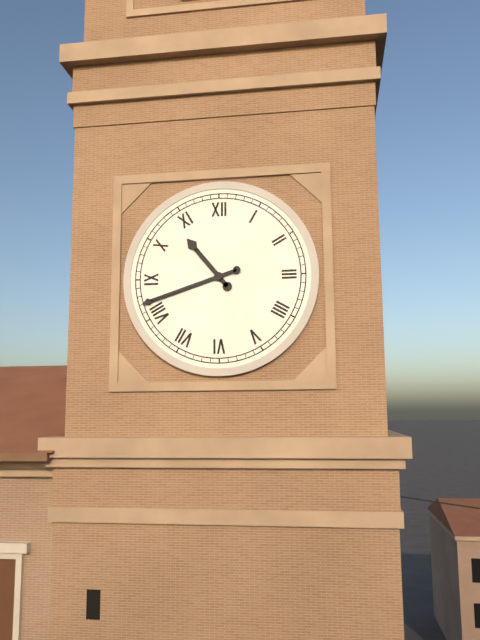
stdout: 10 h 42 min
